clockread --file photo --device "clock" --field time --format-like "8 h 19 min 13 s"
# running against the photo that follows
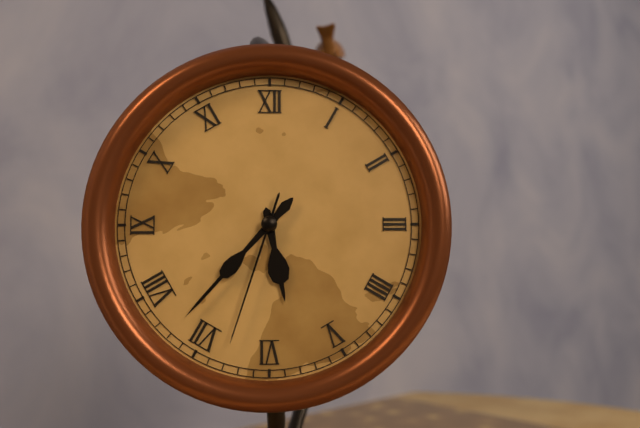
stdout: 5 h 37 min 33 s
